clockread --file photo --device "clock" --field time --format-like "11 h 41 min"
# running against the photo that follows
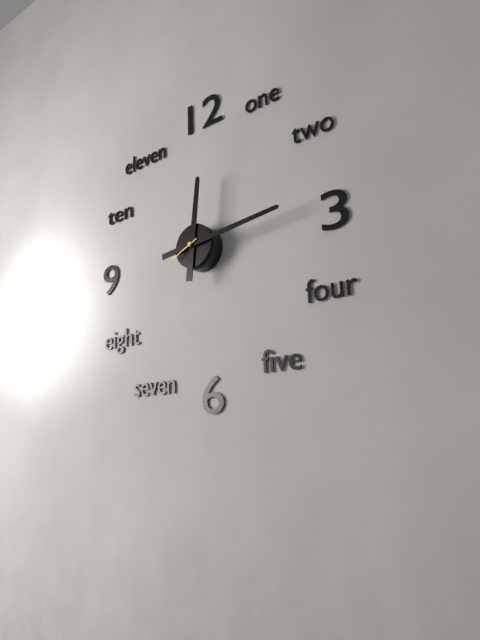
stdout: 12 h 14 min
